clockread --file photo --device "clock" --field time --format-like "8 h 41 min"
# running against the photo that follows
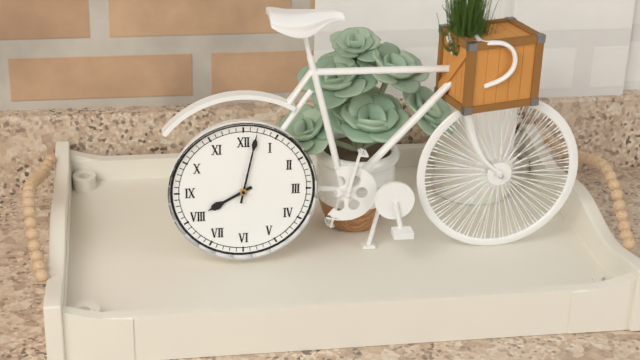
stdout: 8 h 02 min
